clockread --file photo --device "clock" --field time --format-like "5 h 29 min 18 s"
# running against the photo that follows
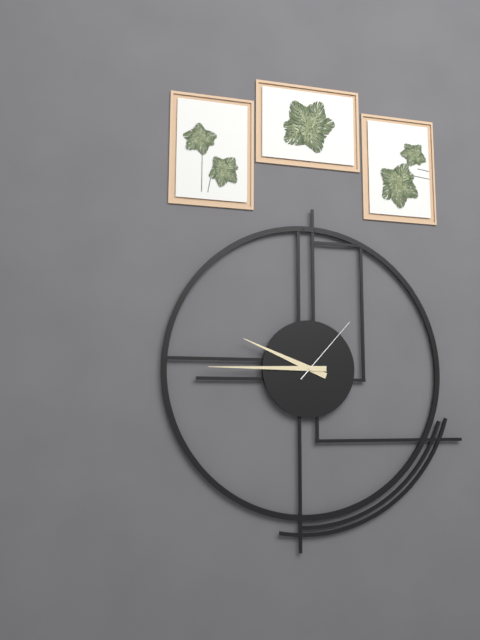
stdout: 9 h 45 min 07 s
